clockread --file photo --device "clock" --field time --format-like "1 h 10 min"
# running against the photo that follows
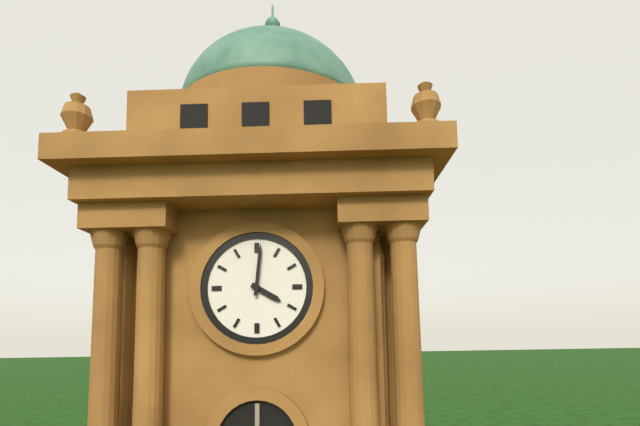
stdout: 4 h 01 min
